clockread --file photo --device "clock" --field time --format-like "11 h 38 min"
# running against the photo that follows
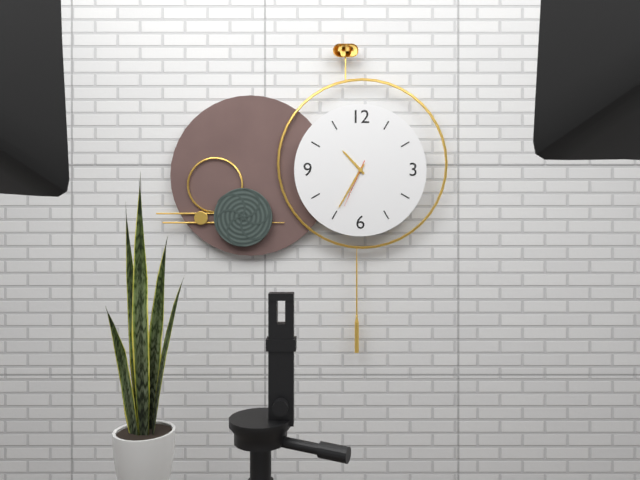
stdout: 10 h 35 min
